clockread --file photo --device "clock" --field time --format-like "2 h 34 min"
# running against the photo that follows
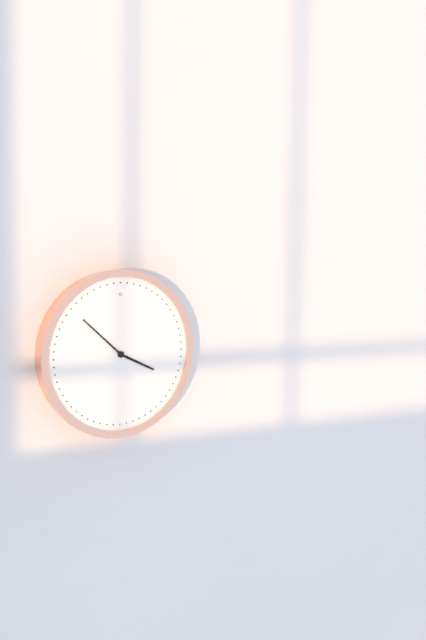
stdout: 3 h 52 min
